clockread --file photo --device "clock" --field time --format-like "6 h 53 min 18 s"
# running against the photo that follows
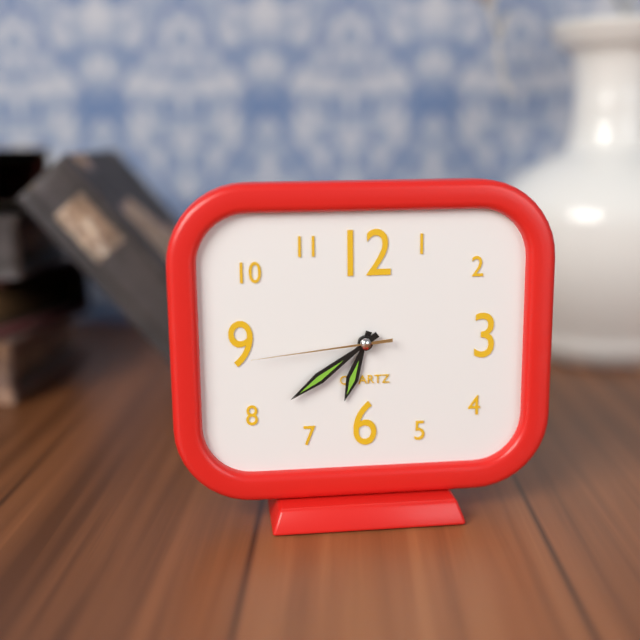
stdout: 6 h 39 min 44 s
